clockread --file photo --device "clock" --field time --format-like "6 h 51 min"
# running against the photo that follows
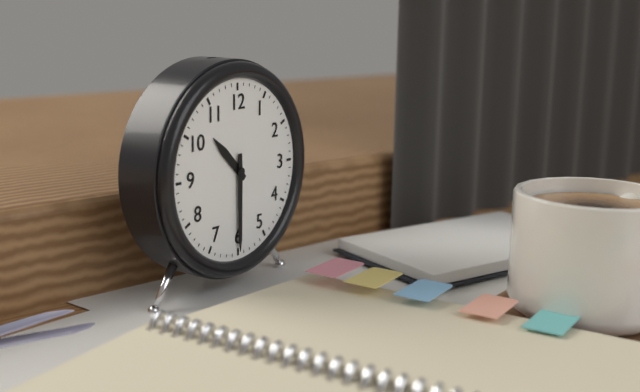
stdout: 10 h 30 min
